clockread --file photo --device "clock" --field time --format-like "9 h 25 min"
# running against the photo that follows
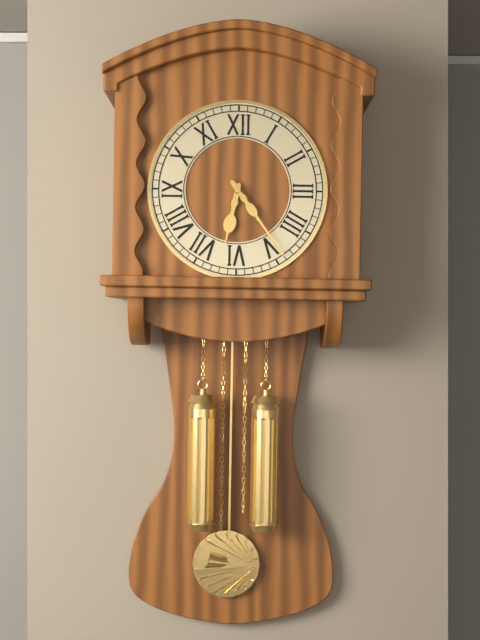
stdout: 6 h 24 min
